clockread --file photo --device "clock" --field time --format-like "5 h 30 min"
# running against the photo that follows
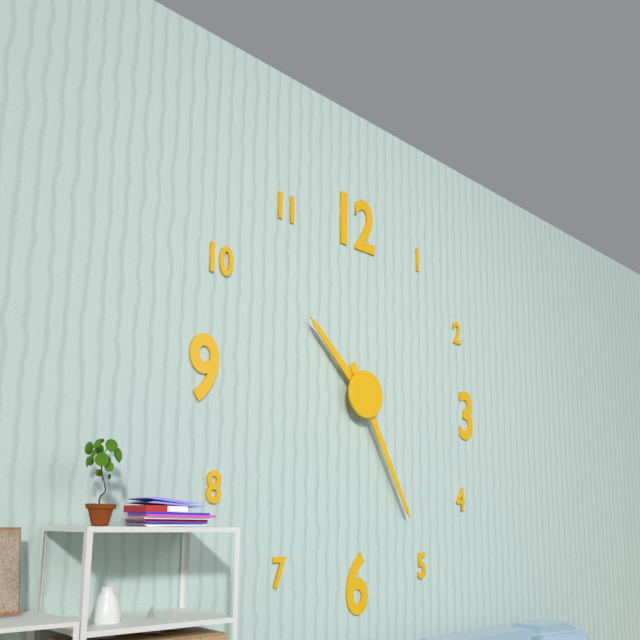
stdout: 10 h 25 min
